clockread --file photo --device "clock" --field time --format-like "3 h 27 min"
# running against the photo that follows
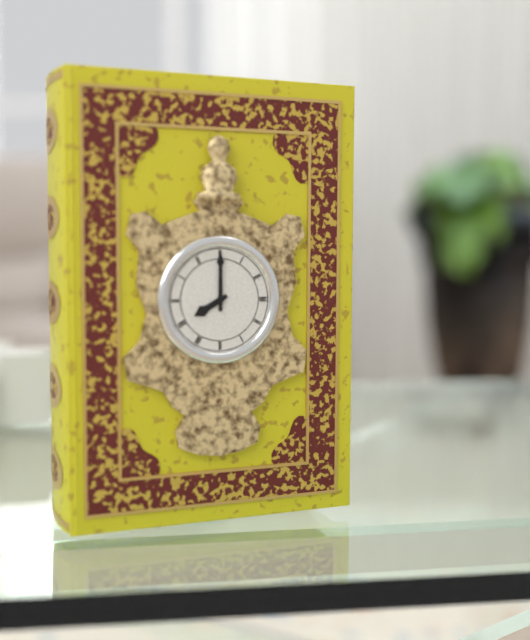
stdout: 8 h 00 min
